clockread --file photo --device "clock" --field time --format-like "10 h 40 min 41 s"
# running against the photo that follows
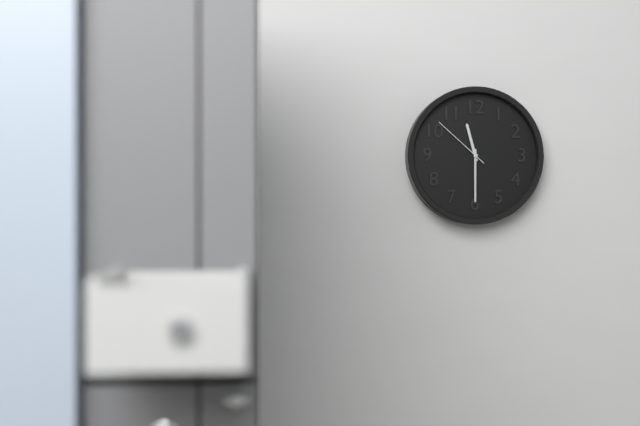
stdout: 11 h 30 min 52 s
